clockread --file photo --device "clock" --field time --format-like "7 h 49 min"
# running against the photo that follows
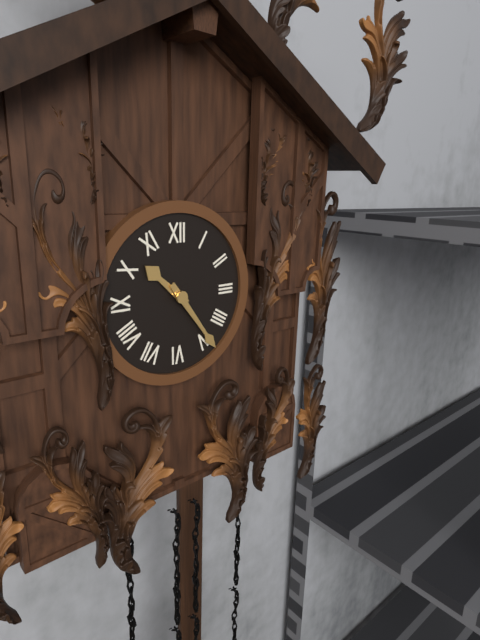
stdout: 10 h 24 min
